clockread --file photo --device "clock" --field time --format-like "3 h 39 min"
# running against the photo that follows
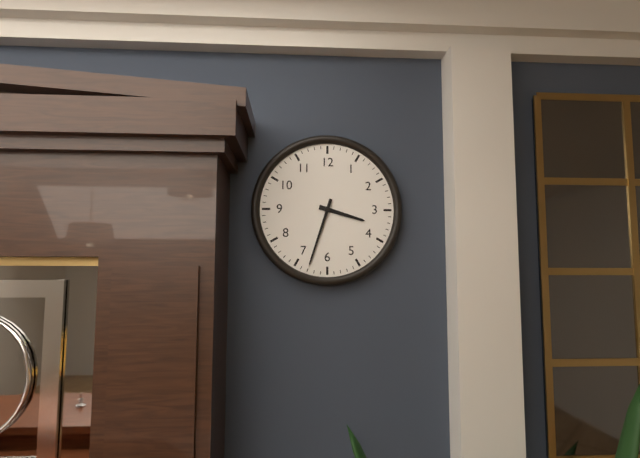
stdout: 3 h 33 min
